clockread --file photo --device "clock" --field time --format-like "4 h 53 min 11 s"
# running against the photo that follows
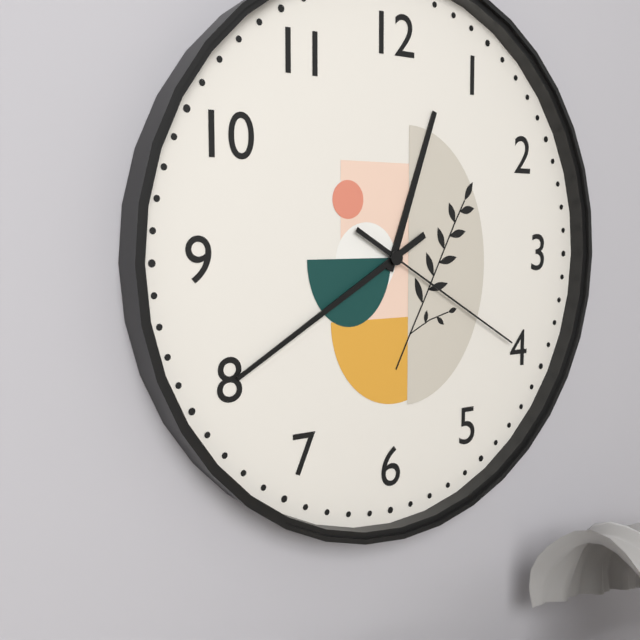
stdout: 12 h 40 min 20 s
